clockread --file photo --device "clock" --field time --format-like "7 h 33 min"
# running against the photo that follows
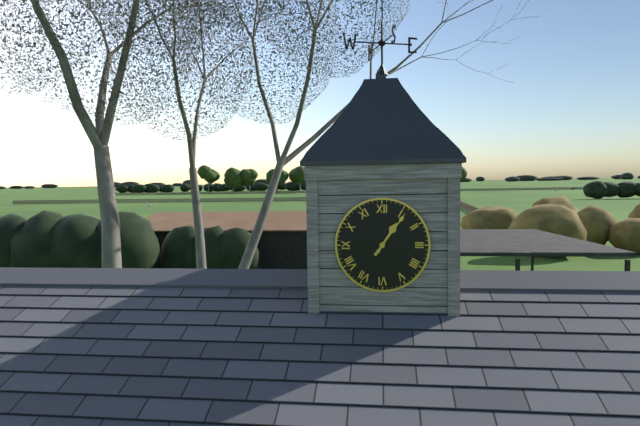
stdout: 1 h 06 min
